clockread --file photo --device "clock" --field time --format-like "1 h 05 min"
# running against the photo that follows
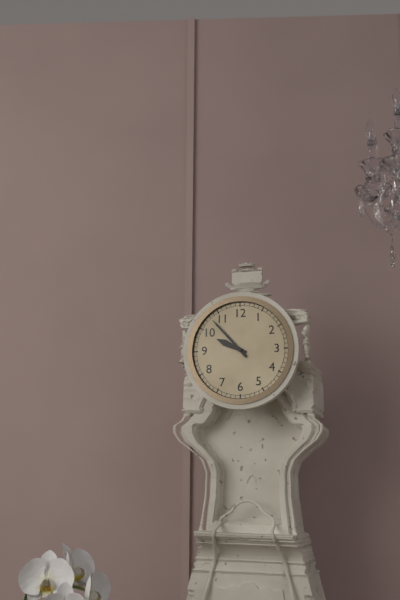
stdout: 9 h 53 min
